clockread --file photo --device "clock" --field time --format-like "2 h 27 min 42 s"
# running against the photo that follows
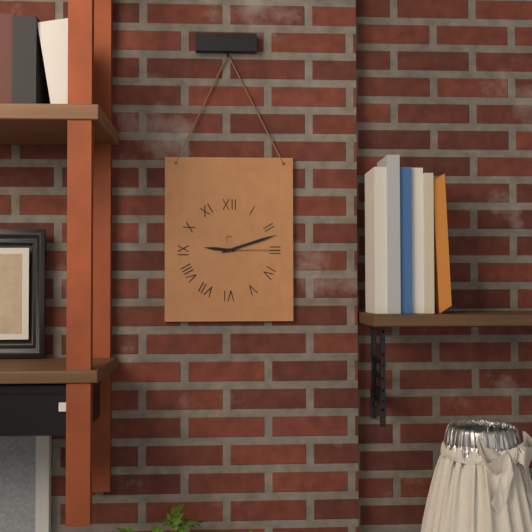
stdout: 9 h 12 min 15 s
